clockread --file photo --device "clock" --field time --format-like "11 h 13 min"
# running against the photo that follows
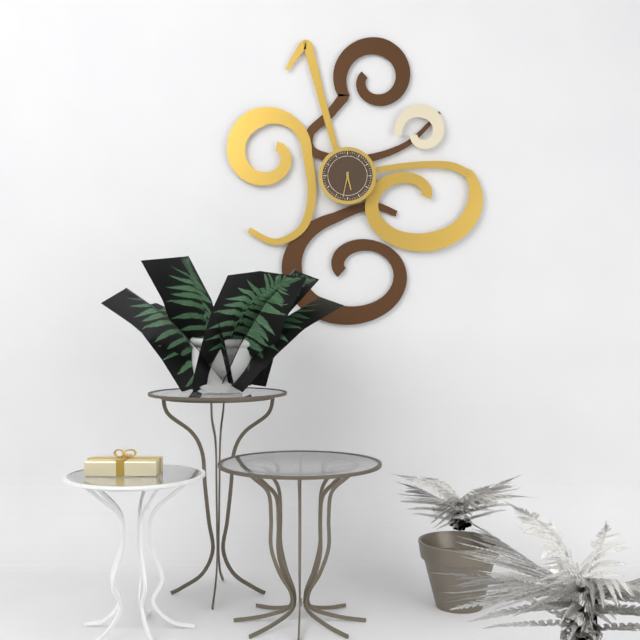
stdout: 5 h 32 min
